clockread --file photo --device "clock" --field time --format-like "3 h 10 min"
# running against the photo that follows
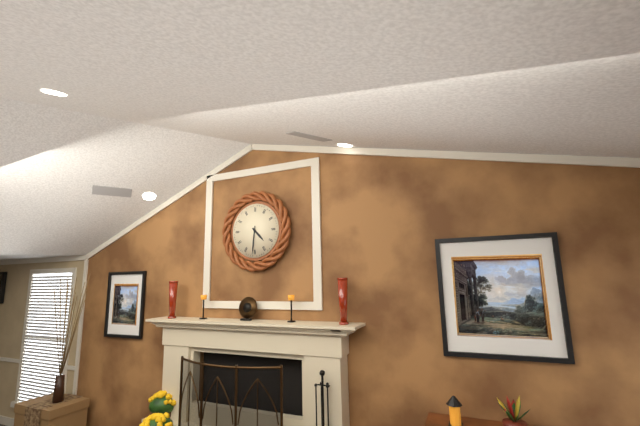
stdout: 4 h 31 min
